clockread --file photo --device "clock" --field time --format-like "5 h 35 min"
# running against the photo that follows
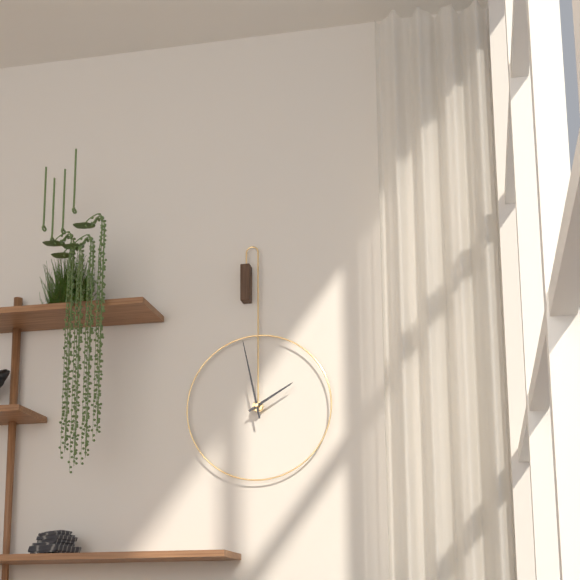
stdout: 1 h 58 min
